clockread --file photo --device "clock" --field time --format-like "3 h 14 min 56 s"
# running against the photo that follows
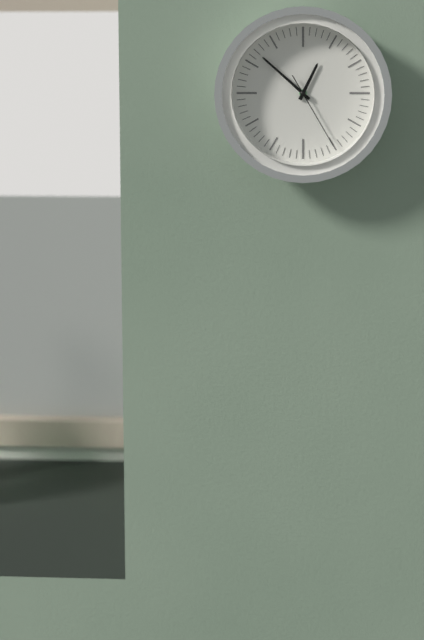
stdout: 12 h 52 min 25 s
